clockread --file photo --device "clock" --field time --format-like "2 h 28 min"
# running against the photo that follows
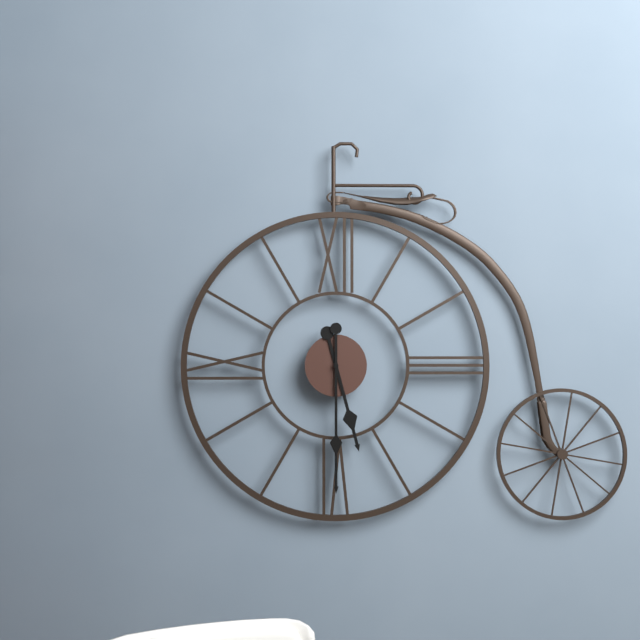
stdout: 5 h 30 min
